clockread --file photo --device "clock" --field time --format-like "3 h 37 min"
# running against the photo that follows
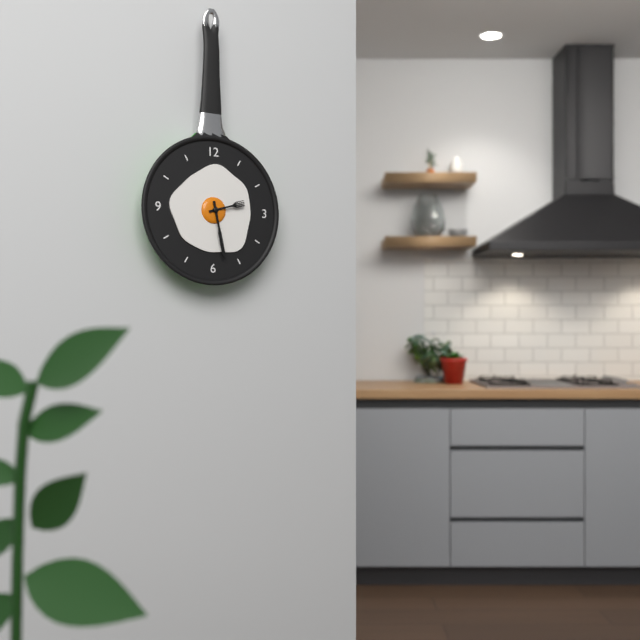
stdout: 2 h 28 min
